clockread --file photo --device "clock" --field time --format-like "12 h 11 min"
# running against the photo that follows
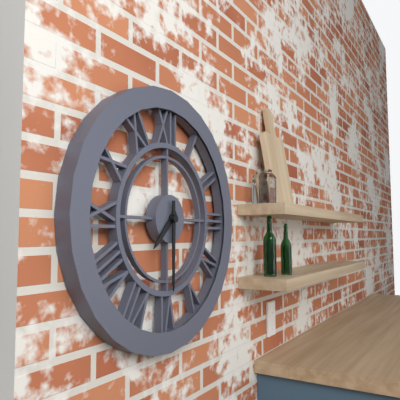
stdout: 7 h 30 min
